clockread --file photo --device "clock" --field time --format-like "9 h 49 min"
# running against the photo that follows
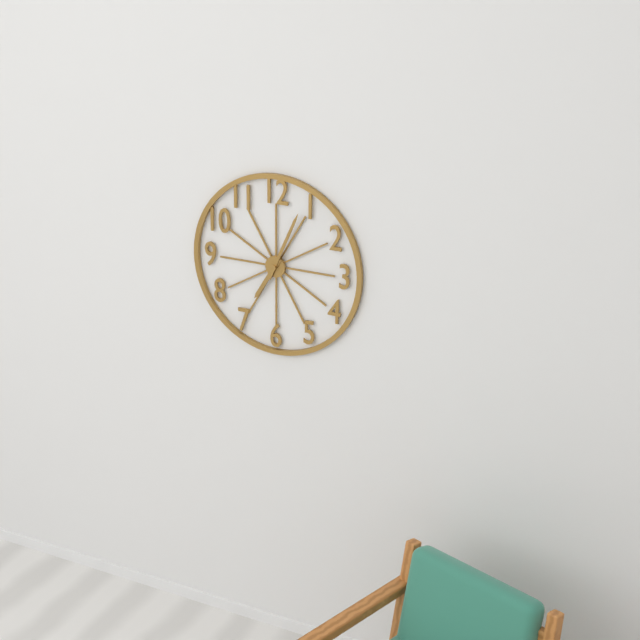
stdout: 7 h 04 min
